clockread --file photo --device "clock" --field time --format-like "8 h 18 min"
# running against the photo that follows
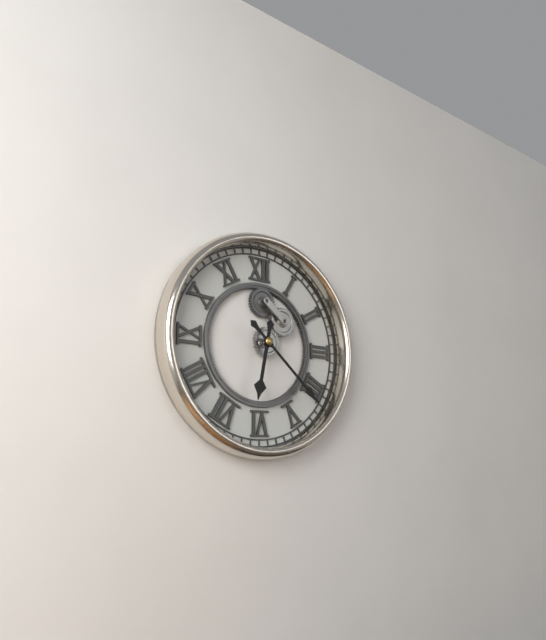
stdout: 6 h 22 min
